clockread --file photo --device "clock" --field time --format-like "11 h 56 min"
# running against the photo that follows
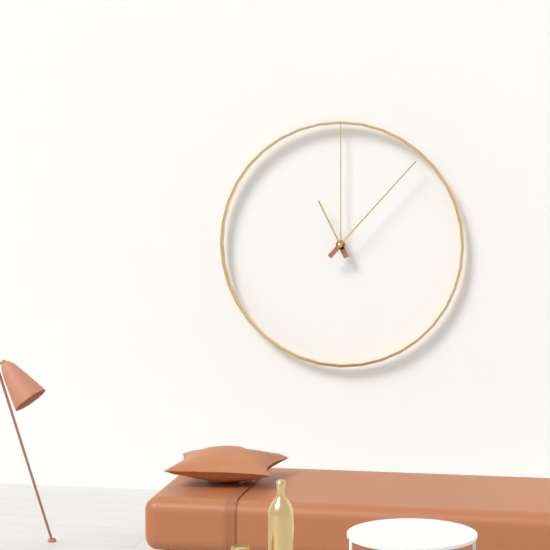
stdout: 11 h 07 min
